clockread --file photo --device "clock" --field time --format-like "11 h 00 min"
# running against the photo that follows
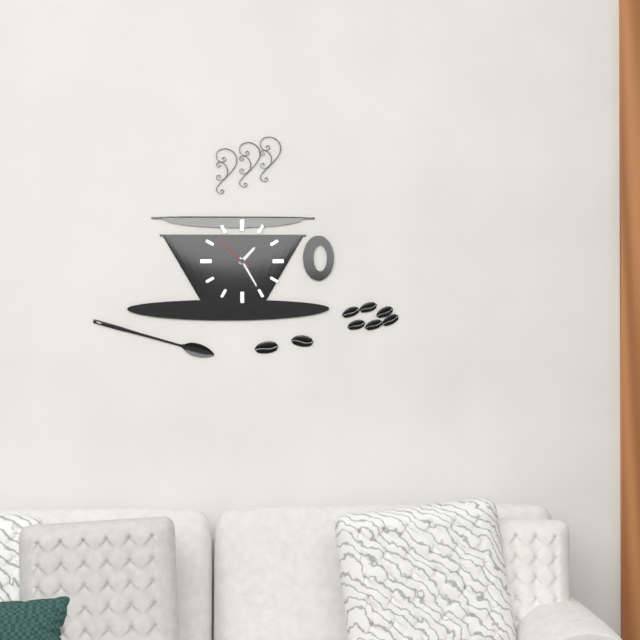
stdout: 1 h 25 min
